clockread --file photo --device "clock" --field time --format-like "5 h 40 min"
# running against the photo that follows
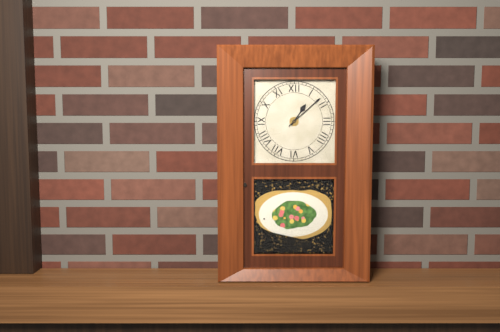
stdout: 1 h 08 min
